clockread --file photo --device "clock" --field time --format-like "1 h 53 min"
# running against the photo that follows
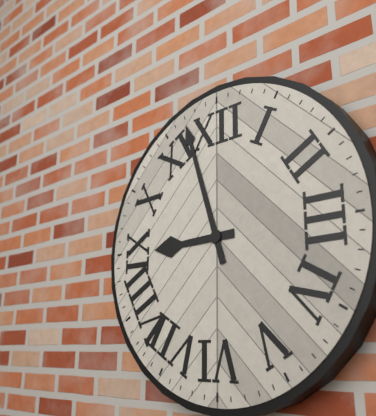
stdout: 8 h 57 min
